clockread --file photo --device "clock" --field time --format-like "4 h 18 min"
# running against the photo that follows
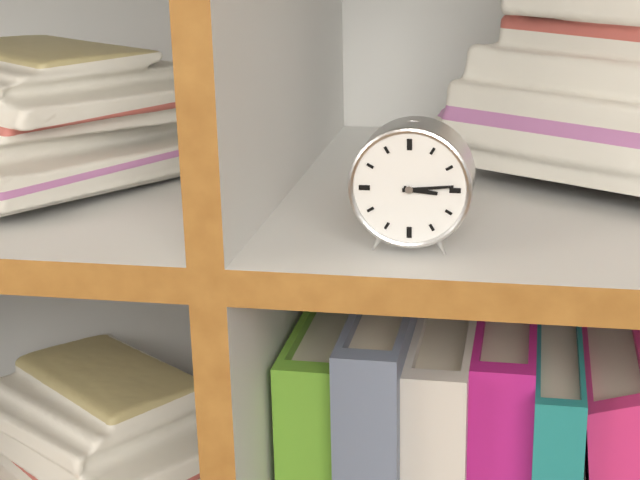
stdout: 3 h 14 min
